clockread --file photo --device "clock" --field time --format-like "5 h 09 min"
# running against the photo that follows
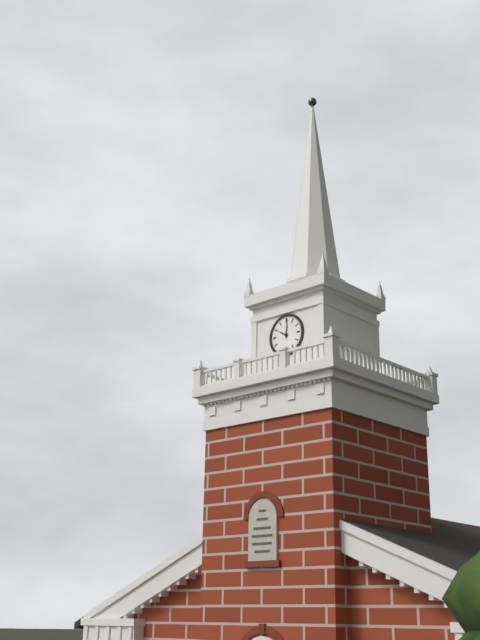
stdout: 10 h 01 min
